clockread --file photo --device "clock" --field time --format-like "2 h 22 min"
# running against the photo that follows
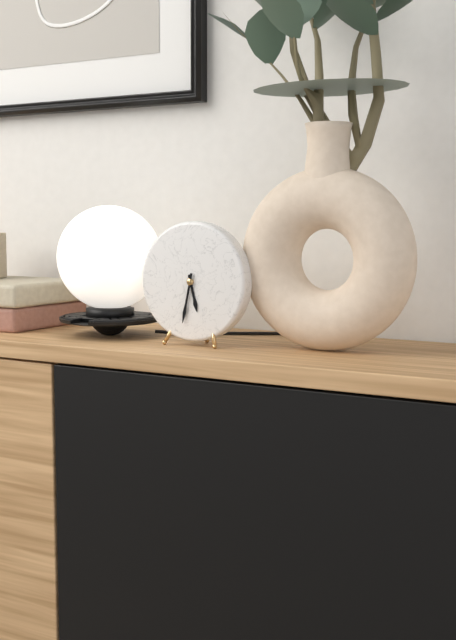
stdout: 5 h 32 min
